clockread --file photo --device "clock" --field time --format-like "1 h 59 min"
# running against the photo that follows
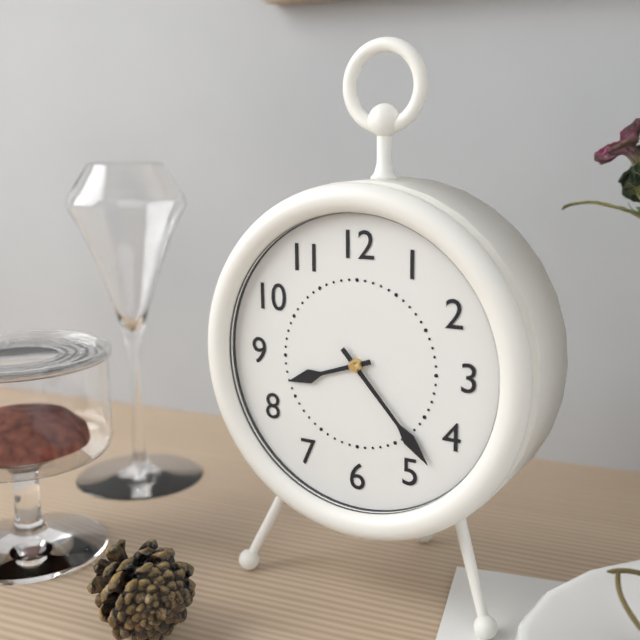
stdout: 8 h 23 min
